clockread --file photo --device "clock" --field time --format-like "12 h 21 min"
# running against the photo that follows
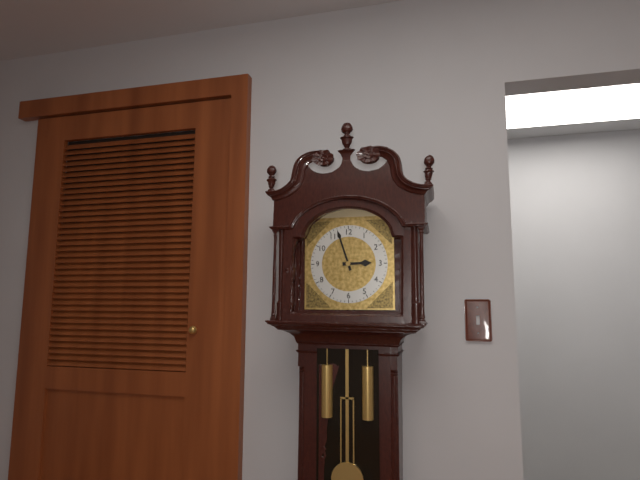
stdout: 2 h 57 min
